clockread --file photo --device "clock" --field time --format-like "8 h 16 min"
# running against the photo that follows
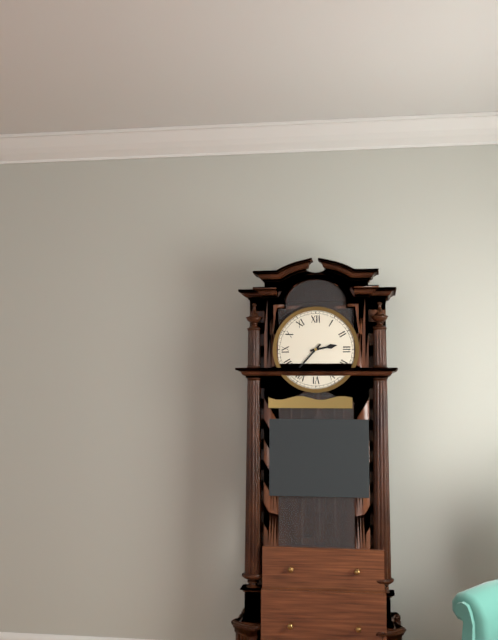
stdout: 2 h 37 min
